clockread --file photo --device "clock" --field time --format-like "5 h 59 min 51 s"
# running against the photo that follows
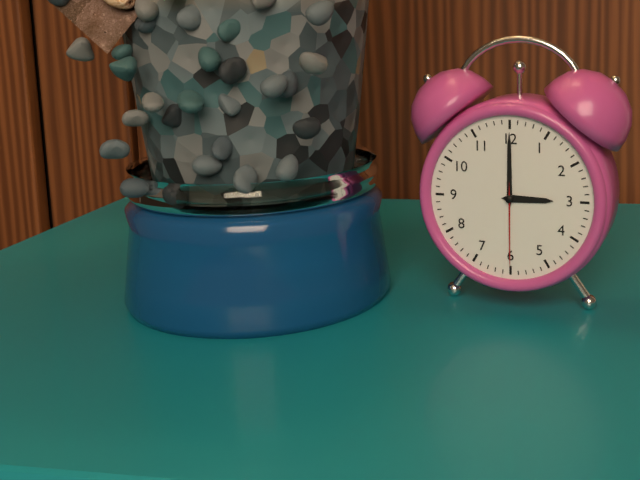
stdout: 3 h 00 min 30 s
